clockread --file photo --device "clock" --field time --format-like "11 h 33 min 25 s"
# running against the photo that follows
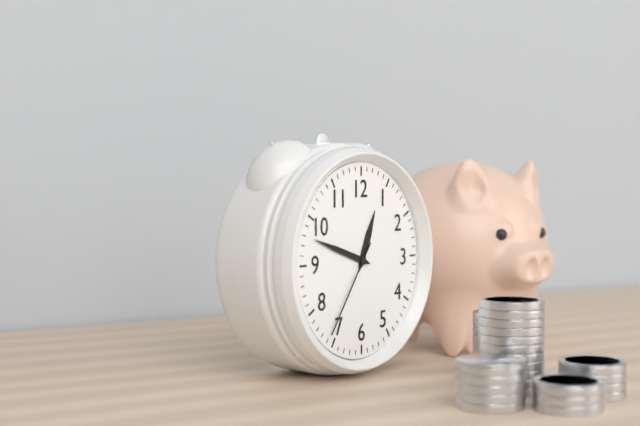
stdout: 12 h 48 min 36 s
